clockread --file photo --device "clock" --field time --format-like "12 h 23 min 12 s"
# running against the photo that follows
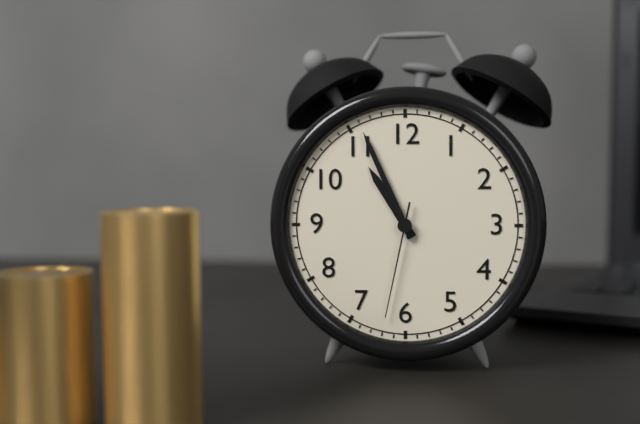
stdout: 10 h 56 min 32 s
